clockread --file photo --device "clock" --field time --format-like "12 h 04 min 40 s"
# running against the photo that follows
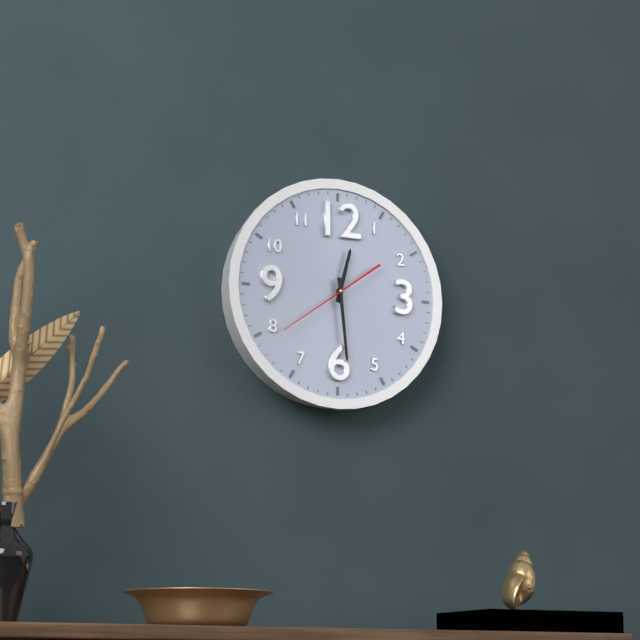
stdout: 12 h 29 min 39 s
